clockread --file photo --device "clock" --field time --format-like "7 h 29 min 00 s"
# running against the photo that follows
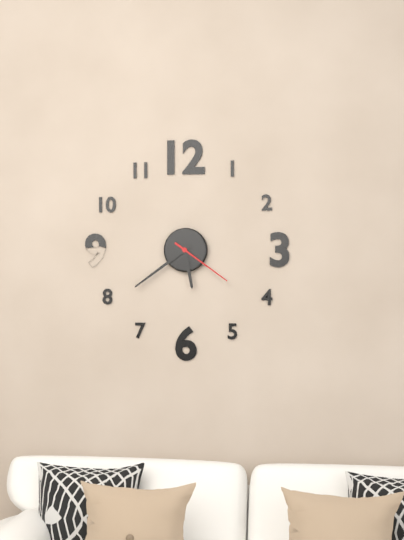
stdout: 5 h 39 min 21 s
